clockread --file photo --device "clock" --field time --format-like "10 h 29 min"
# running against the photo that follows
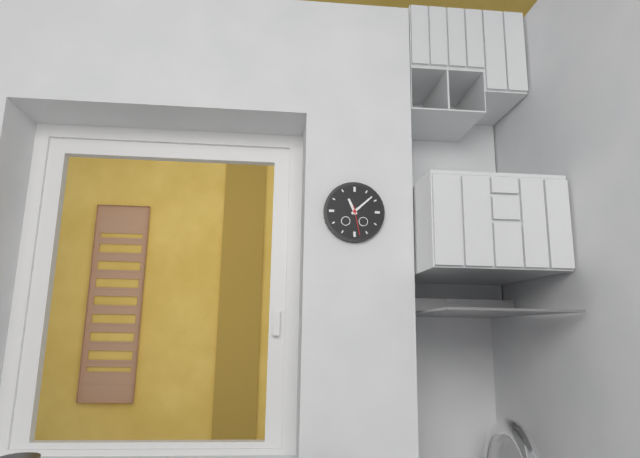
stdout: 11 h 08 min
